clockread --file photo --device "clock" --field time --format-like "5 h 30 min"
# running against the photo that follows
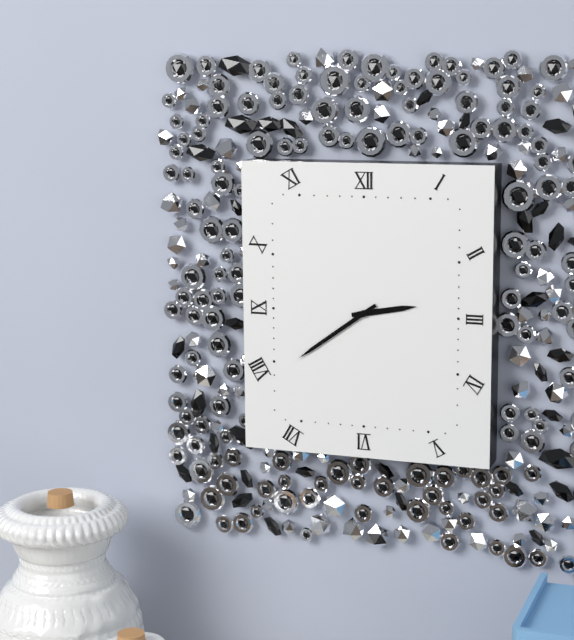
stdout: 2 h 39 min
